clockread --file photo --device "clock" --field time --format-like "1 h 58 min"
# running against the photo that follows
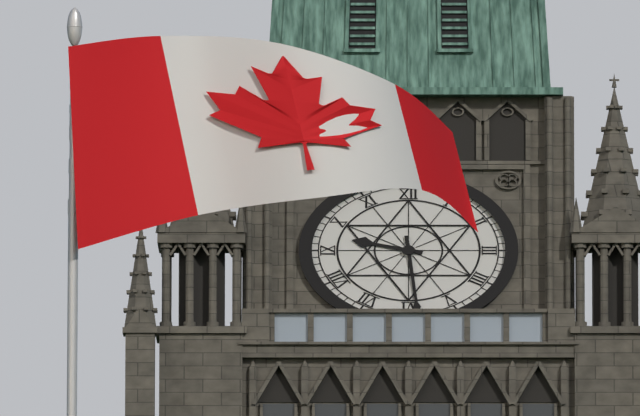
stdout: 9 h 29 min
